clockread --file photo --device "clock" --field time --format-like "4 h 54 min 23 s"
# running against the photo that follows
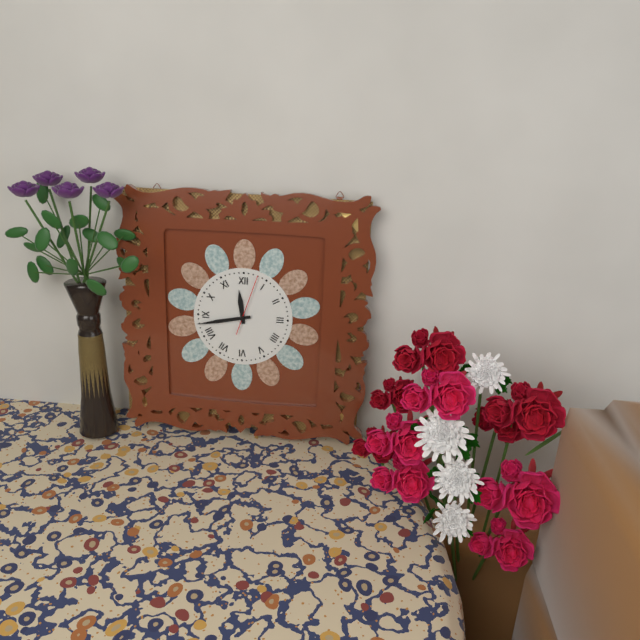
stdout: 11 h 43 min 03 s
